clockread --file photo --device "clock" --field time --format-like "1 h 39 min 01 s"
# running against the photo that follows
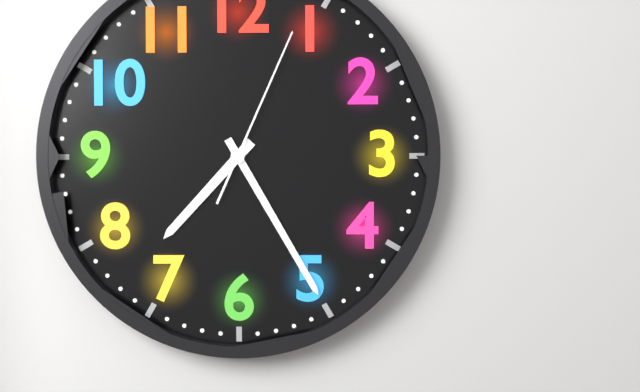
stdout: 7 h 25 min 04 s
